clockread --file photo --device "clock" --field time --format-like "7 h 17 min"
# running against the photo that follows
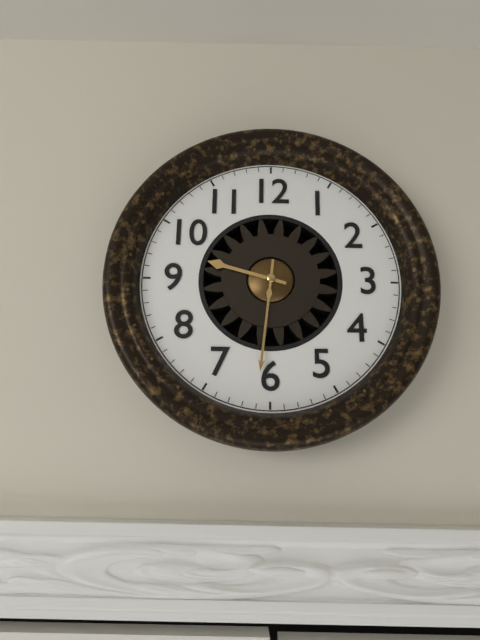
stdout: 9 h 31 min
